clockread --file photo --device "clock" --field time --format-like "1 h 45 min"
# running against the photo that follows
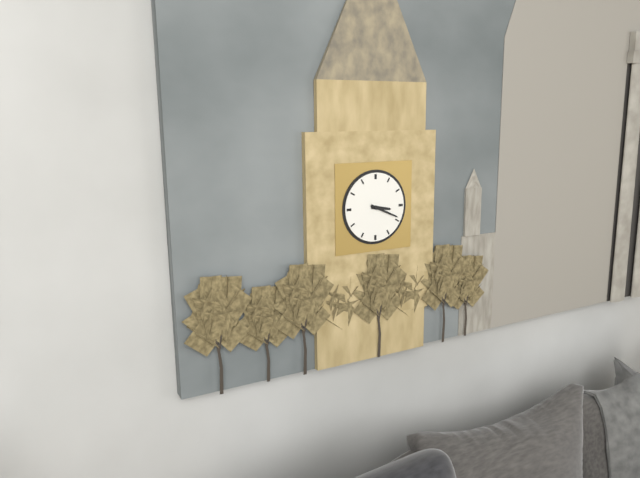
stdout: 3 h 19 min
